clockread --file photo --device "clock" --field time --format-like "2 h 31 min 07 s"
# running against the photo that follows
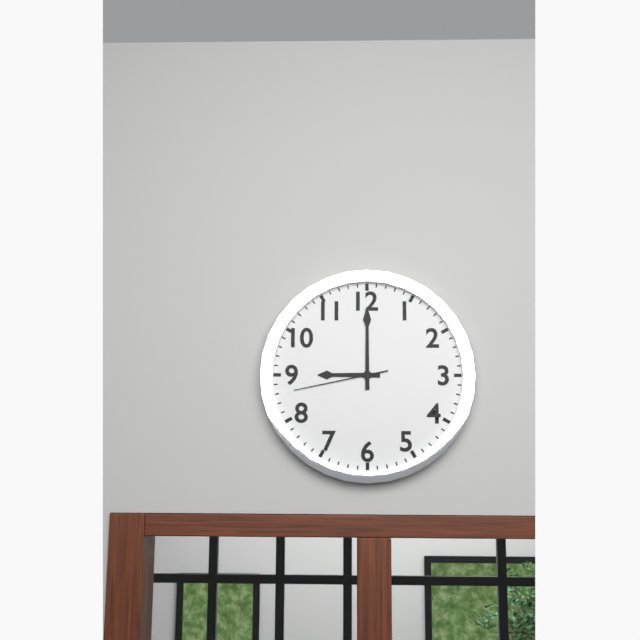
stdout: 9 h 00 min 43 s
